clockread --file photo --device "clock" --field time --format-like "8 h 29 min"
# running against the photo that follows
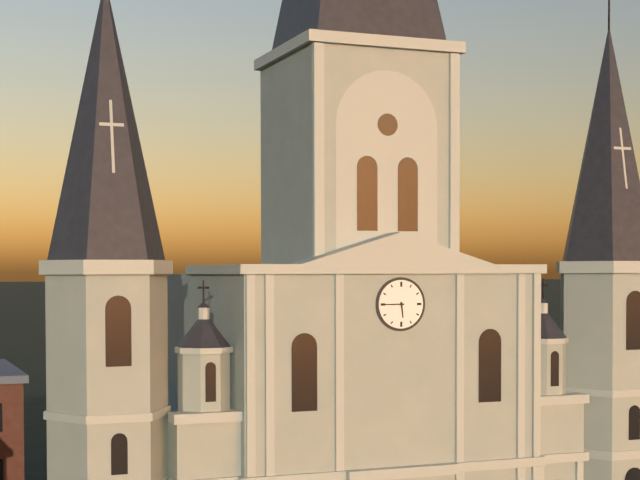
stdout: 5 h 45 min
